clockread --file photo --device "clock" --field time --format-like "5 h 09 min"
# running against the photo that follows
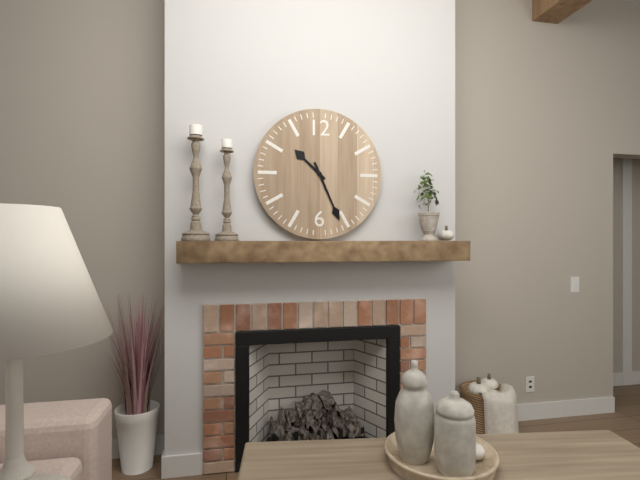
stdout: 10 h 26 min
